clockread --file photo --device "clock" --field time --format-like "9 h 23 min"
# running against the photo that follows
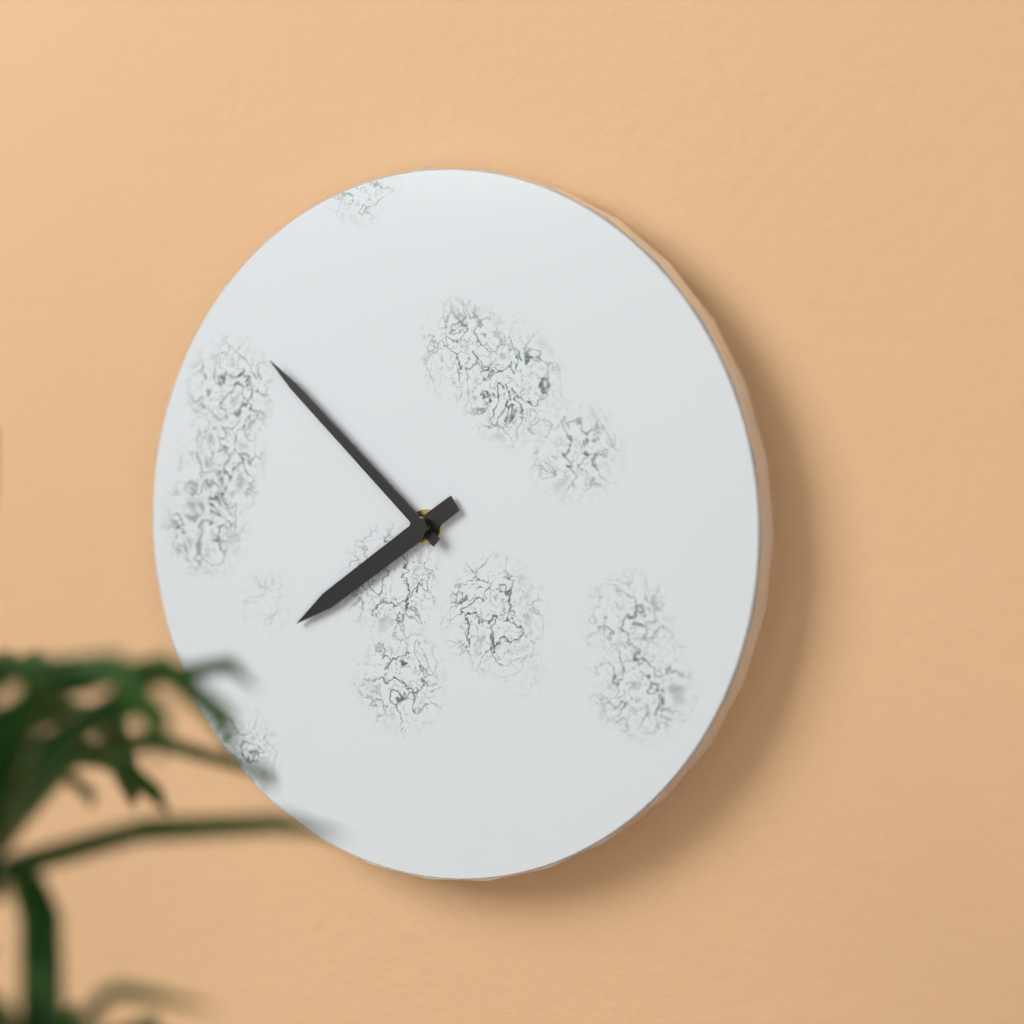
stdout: 7 h 52 min
